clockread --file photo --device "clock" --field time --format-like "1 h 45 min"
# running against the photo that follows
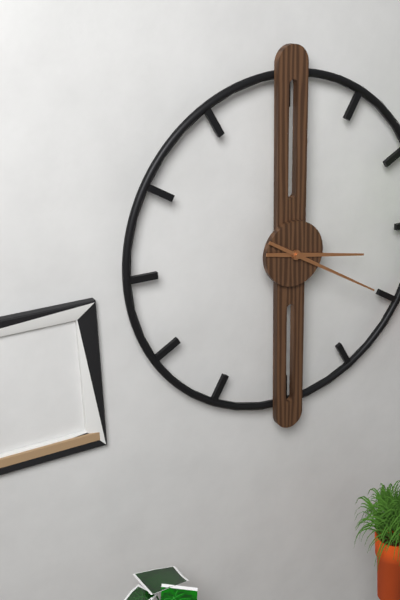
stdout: 3 h 20 min
